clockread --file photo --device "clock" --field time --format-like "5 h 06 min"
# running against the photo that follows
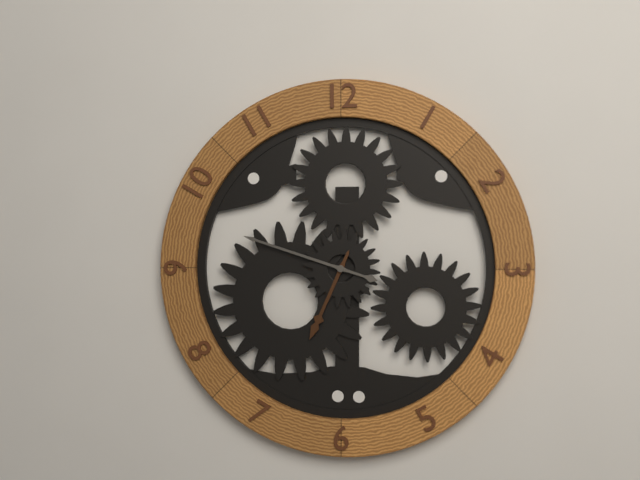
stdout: 6 h 48 min
